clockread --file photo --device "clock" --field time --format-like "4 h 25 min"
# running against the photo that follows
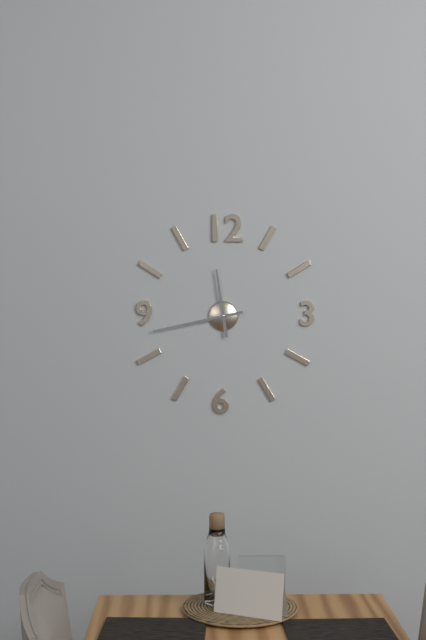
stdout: 11 h 43 min
